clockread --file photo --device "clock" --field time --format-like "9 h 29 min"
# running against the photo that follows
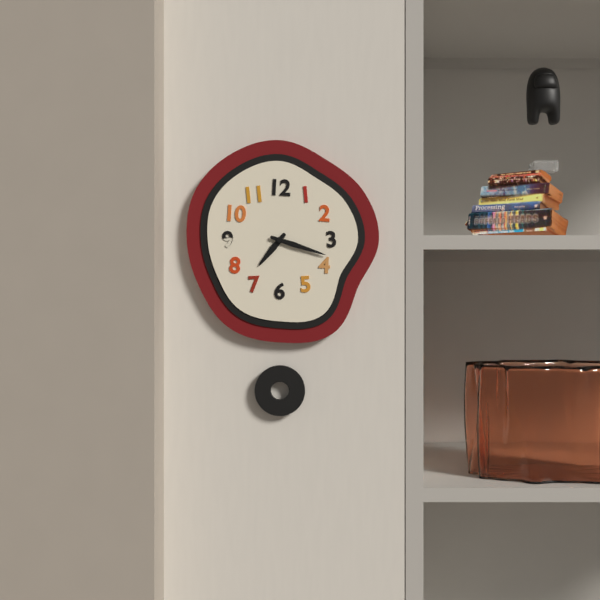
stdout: 7 h 18 min
